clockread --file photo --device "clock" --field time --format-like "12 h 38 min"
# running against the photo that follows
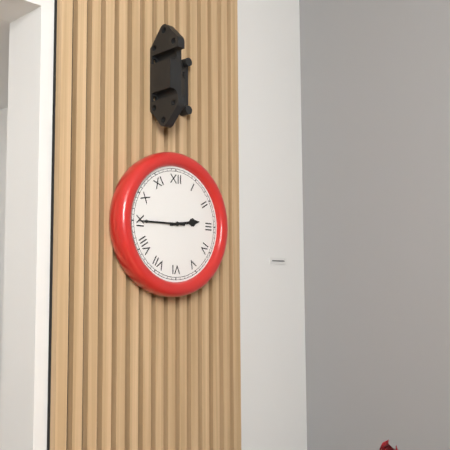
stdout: 2 h 45 min
